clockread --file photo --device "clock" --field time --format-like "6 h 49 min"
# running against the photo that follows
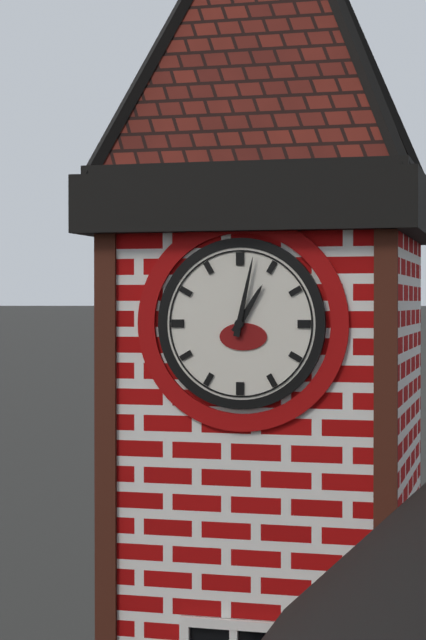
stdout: 1 h 02 min
